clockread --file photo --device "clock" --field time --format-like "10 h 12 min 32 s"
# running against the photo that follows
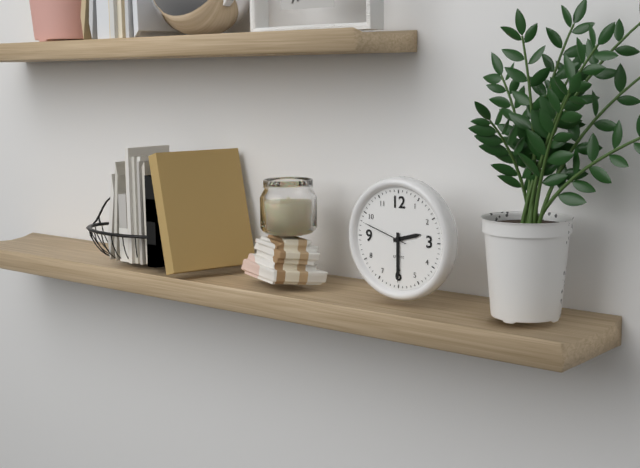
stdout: 2 h 30 min 48 s
